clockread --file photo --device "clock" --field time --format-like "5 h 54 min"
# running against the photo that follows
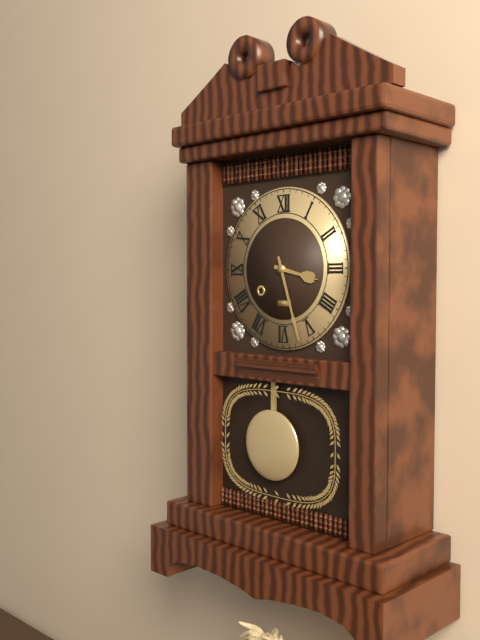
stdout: 3 h 27 min
